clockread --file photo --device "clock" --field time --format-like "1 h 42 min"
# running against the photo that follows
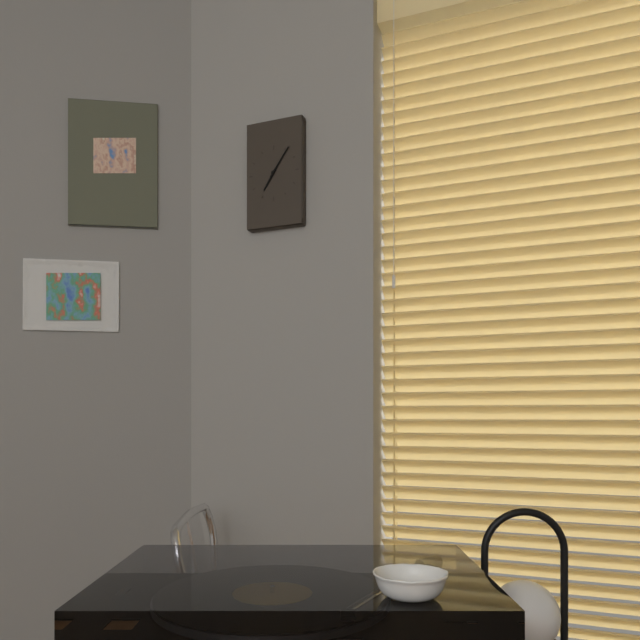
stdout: 7 h 06 min
